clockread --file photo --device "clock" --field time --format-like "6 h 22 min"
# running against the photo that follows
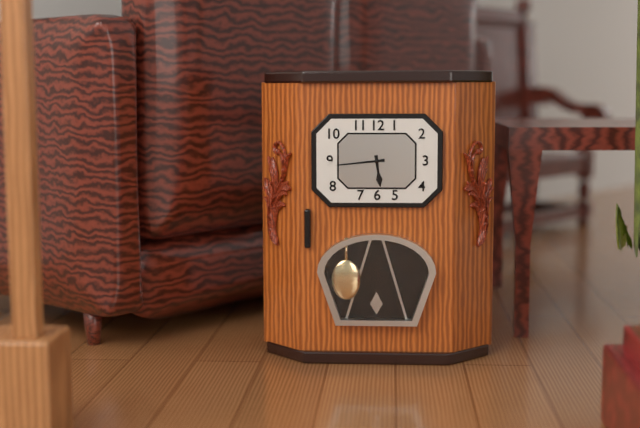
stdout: 5 h 44 min
